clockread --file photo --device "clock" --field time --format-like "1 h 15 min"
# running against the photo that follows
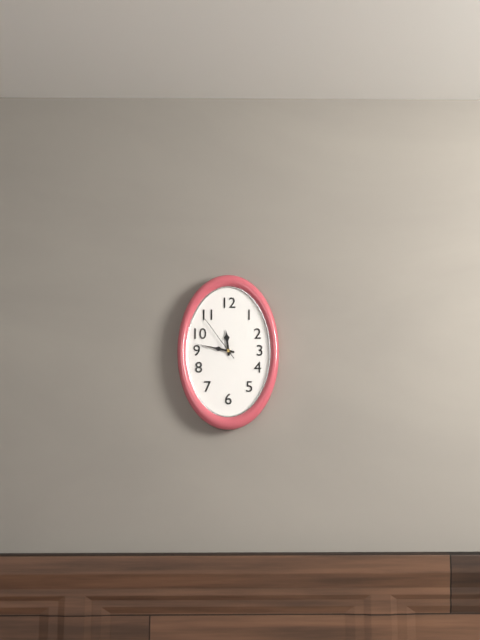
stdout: 11 h 47 min
